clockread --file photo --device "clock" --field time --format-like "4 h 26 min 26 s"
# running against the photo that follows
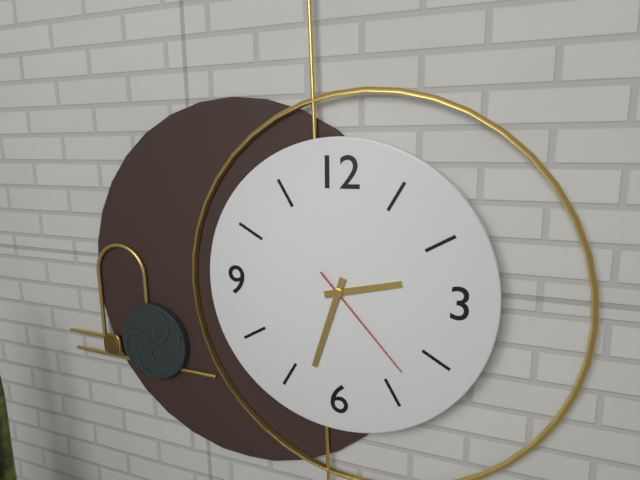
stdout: 2 h 33 min 23 s
